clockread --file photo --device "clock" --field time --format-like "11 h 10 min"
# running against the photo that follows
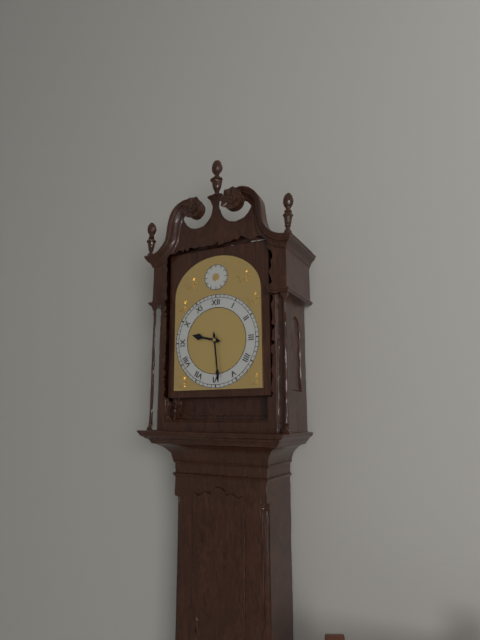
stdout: 9 h 29 min
